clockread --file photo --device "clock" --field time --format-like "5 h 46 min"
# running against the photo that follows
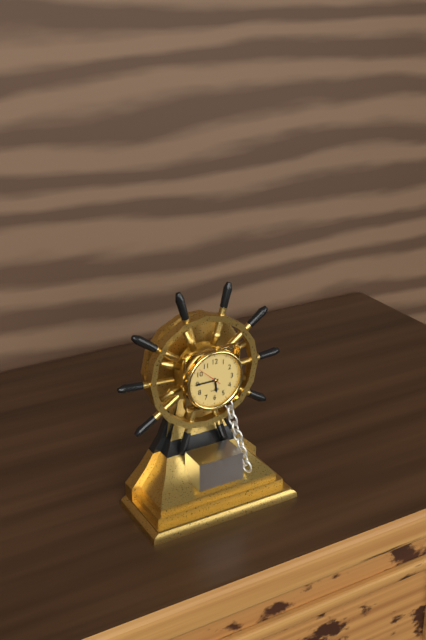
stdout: 5 h 45 min
